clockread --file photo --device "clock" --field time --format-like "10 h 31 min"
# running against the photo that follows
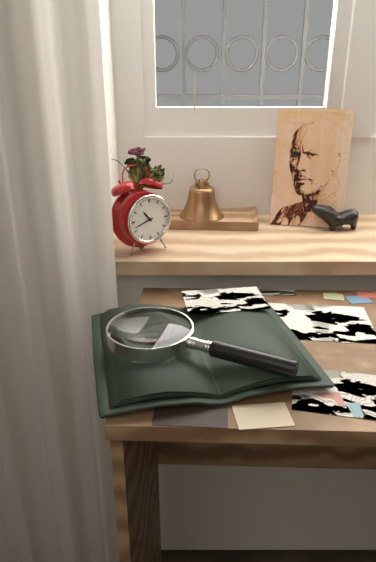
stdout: 10 h 42 min
